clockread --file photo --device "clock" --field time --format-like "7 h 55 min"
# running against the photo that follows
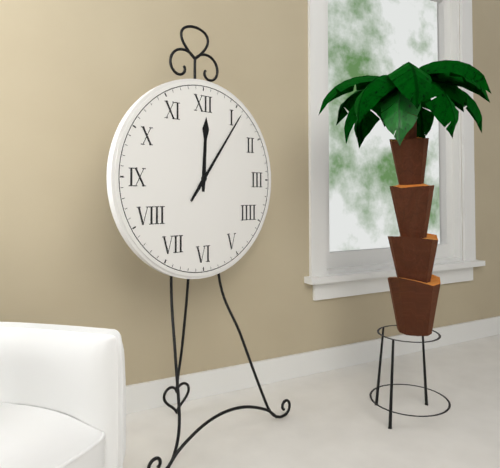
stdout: 12 h 06 min
